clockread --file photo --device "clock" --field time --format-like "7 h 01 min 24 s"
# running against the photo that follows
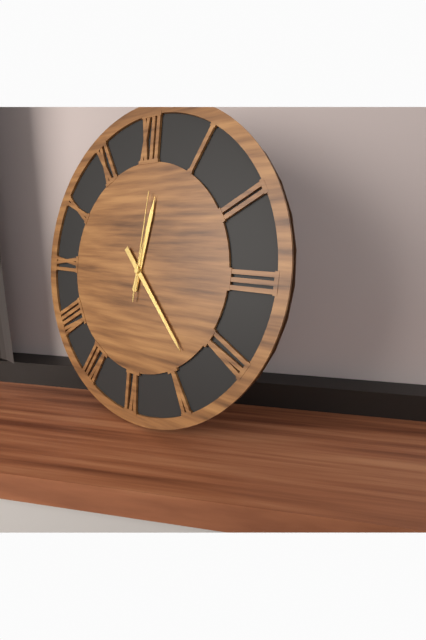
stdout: 12 h 23 min 01 s
